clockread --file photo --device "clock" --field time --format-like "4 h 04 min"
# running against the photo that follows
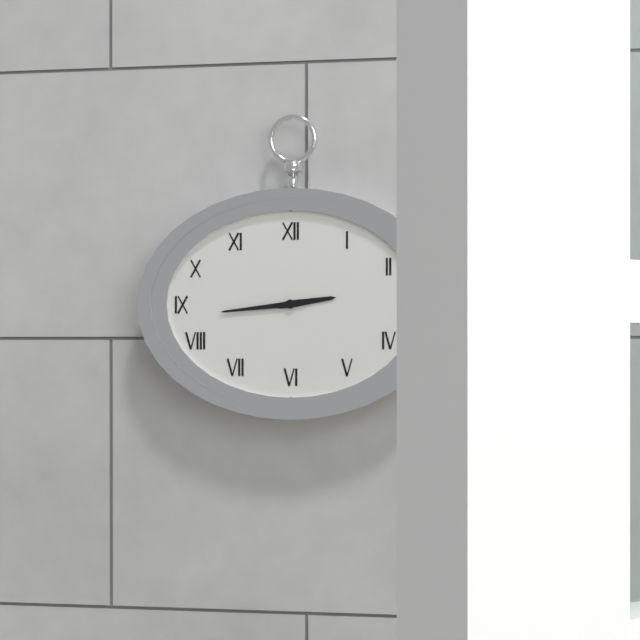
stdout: 2 h 44 min
